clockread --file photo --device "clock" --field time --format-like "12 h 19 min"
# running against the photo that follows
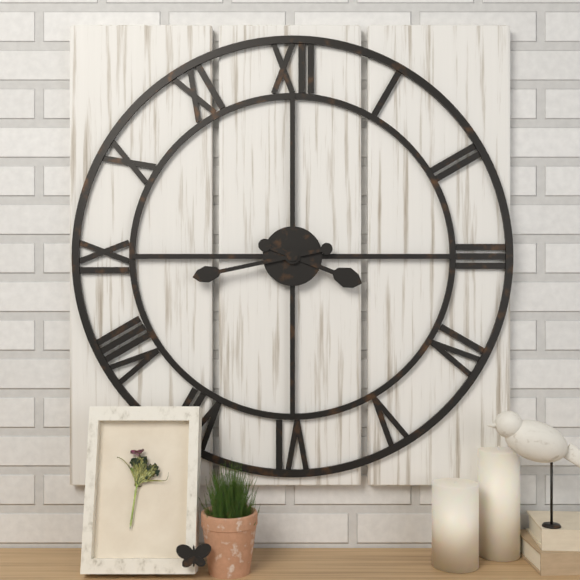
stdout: 3 h 43 min
